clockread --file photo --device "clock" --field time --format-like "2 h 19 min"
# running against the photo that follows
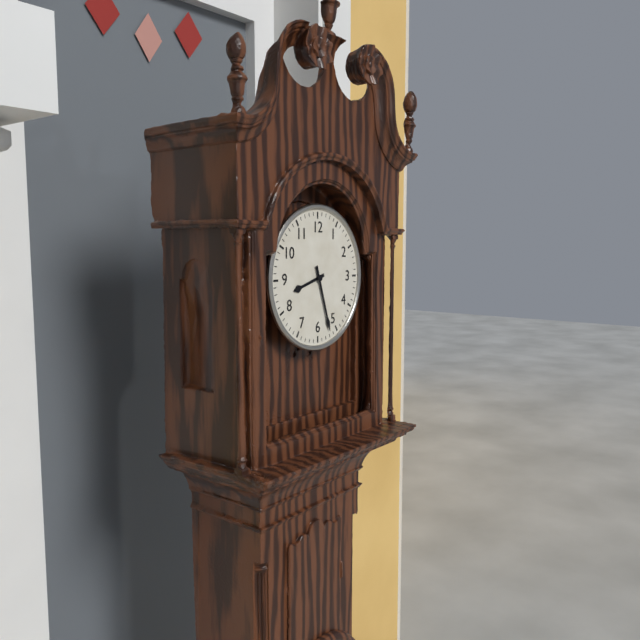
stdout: 8 h 27 min
